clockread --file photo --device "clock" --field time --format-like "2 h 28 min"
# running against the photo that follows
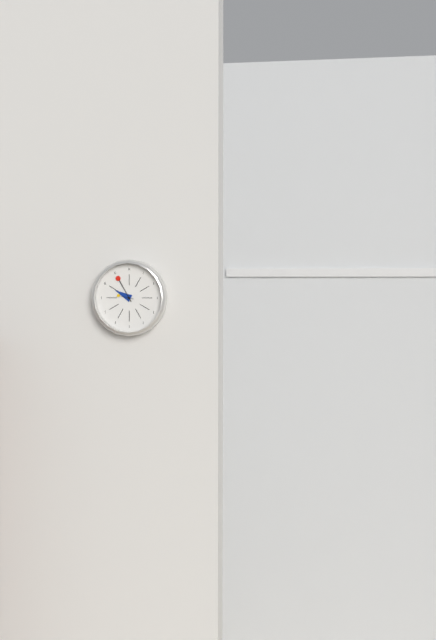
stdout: 9 h 55 min
